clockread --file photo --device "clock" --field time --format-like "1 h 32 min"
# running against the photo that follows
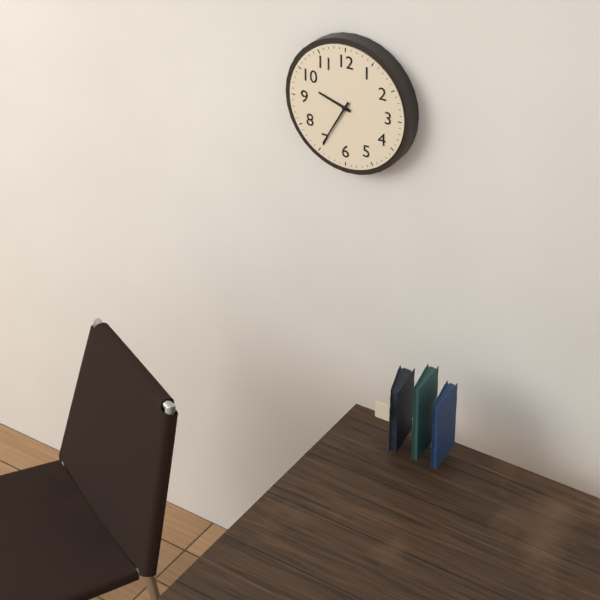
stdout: 9 h 35 min
